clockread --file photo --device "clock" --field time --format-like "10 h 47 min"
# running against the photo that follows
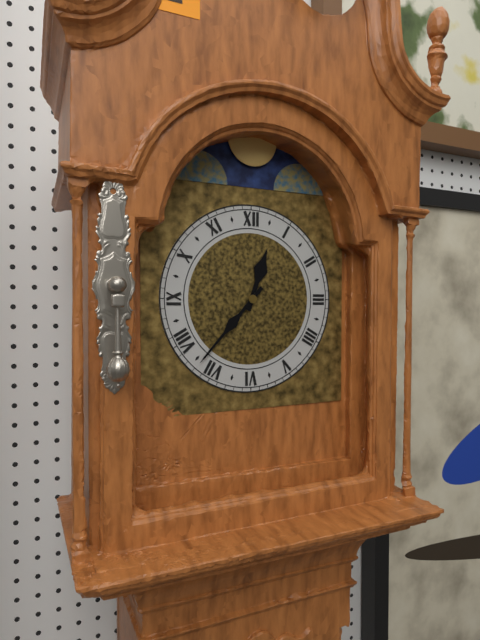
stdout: 12 h 37 min
